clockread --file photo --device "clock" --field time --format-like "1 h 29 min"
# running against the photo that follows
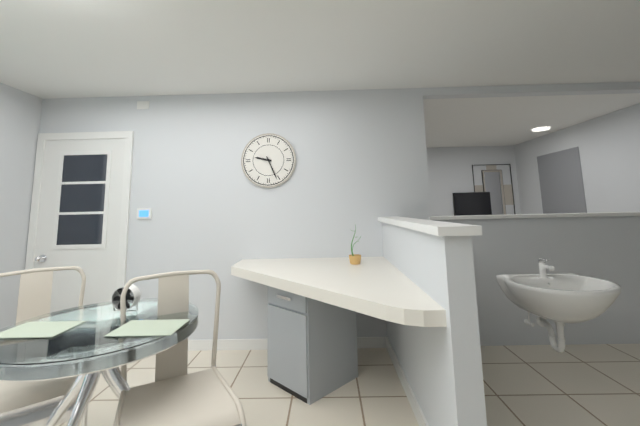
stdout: 9 h 26 min
